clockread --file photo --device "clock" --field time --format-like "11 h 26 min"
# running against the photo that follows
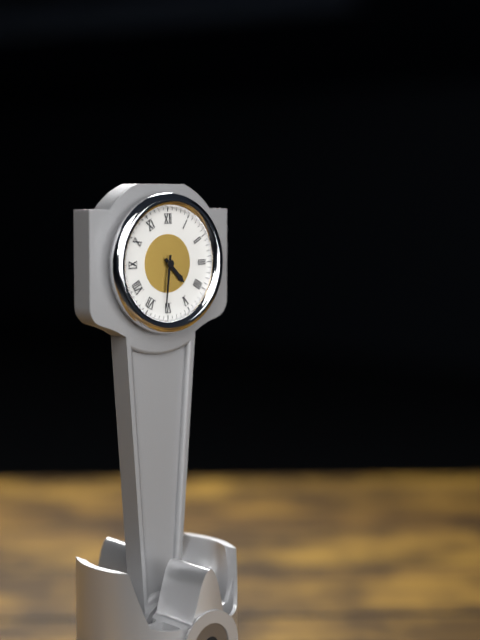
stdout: 4 h 31 min
